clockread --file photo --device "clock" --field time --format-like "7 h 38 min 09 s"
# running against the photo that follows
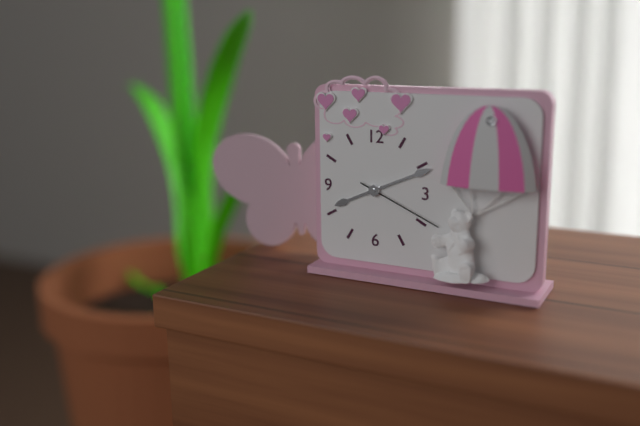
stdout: 8 h 11 min 19 s
